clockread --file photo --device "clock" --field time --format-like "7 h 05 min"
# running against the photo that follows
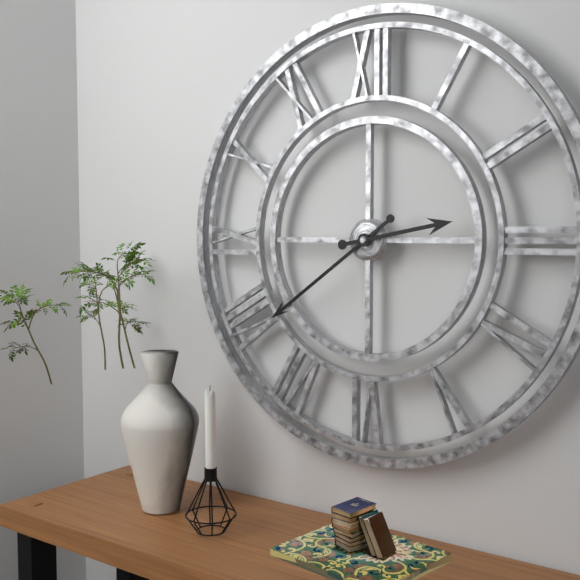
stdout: 2 h 39 min
